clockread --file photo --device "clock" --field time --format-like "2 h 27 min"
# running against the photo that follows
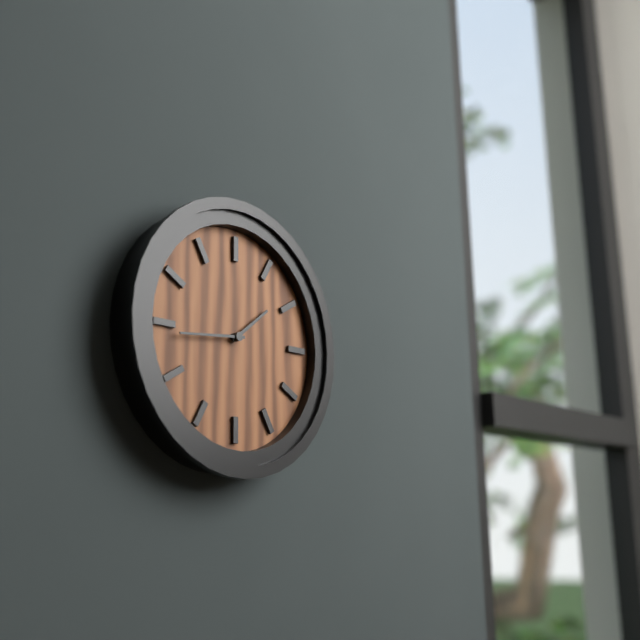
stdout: 1 h 44 min
